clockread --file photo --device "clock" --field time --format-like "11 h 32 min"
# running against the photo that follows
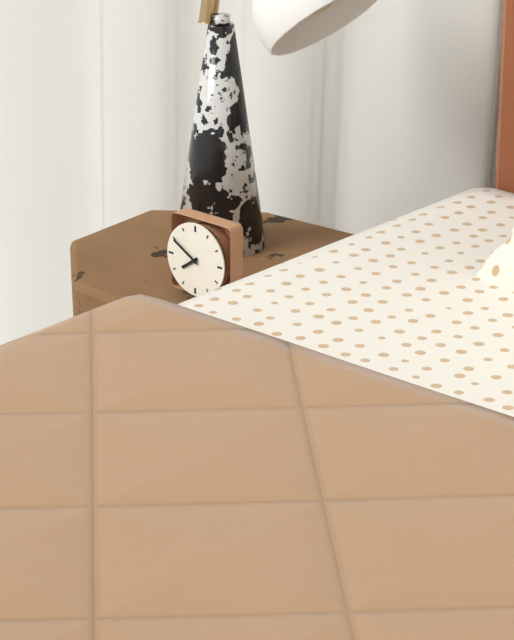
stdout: 7 h 50 min
